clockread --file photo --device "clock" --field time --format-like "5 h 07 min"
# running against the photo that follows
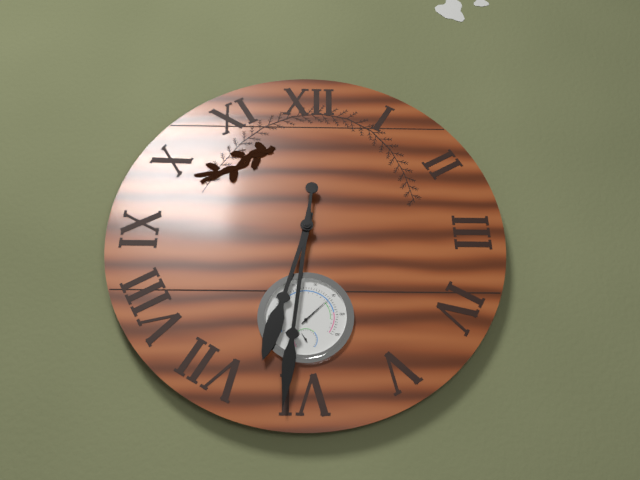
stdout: 6 h 31 min
